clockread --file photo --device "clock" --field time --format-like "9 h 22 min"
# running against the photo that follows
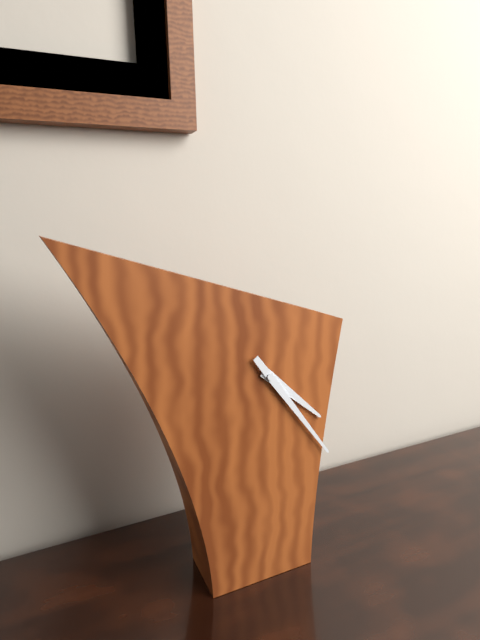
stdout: 4 h 24 min
